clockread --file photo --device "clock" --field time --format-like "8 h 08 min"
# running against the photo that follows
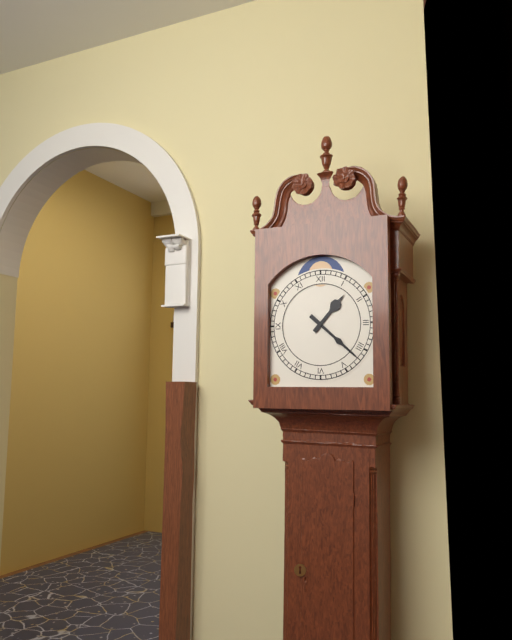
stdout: 1 h 22 min
